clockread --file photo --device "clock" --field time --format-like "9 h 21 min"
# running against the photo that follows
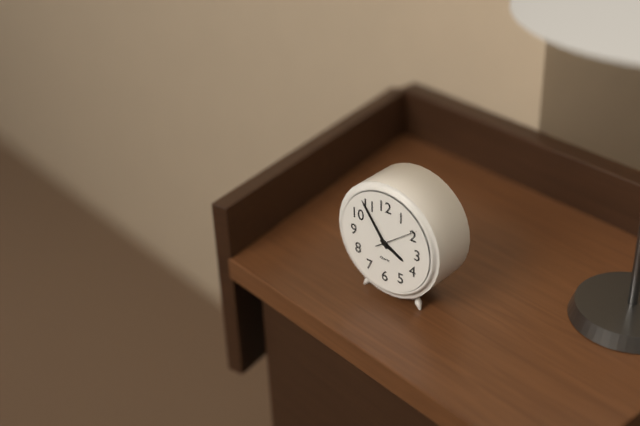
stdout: 3 h 54 min
